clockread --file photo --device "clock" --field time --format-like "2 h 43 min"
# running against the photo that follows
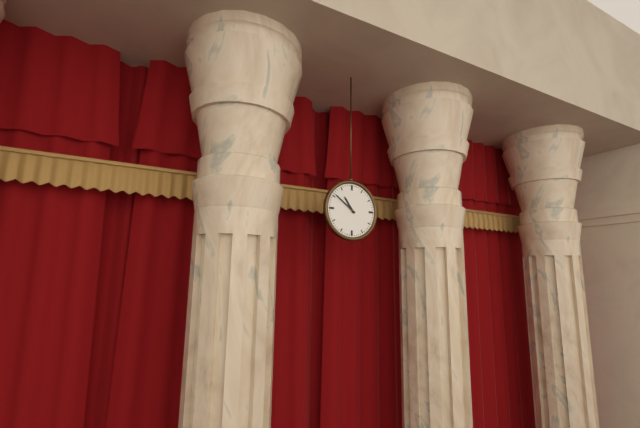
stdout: 10 h 51 min
